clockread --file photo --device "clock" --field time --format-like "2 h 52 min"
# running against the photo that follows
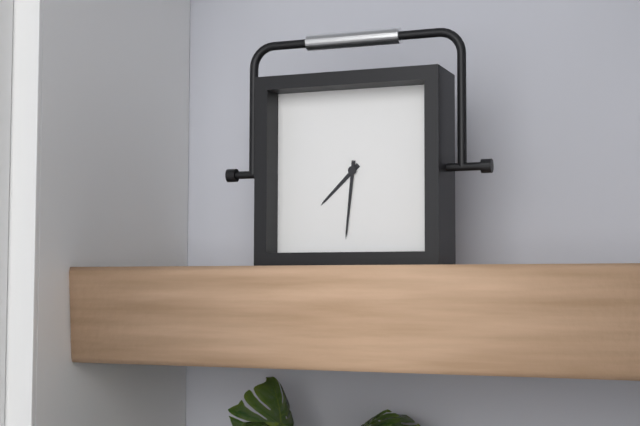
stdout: 7 h 31 min
